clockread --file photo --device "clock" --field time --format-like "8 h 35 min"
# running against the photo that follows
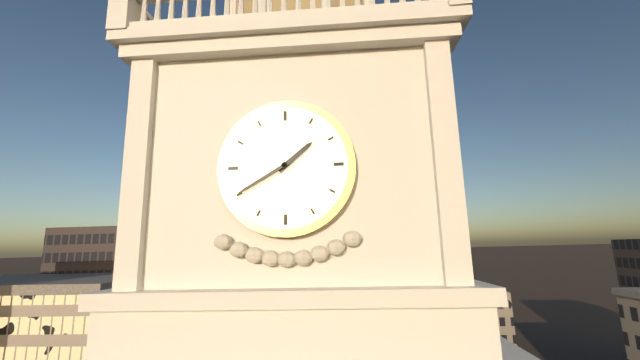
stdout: 1 h 40 min
